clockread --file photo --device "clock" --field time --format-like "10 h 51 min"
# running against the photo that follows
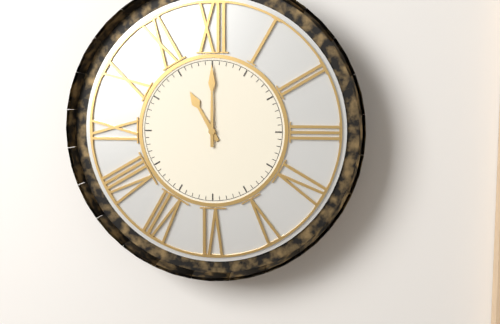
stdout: 11 h 00 min
